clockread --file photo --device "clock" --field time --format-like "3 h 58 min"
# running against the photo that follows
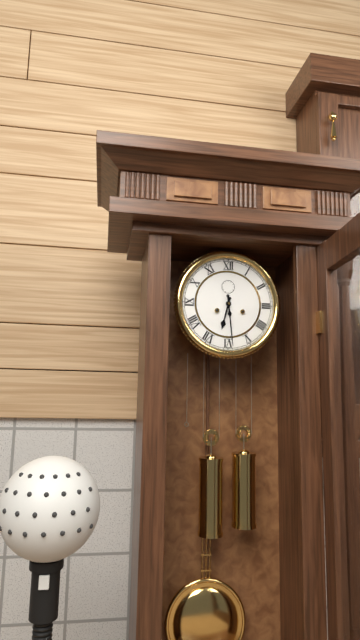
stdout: 6 h 29 min
